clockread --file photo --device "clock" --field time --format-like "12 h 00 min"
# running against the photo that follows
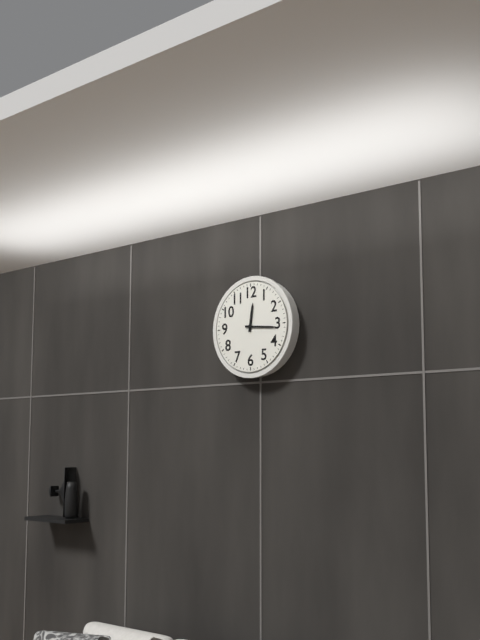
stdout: 12 h 16 min
